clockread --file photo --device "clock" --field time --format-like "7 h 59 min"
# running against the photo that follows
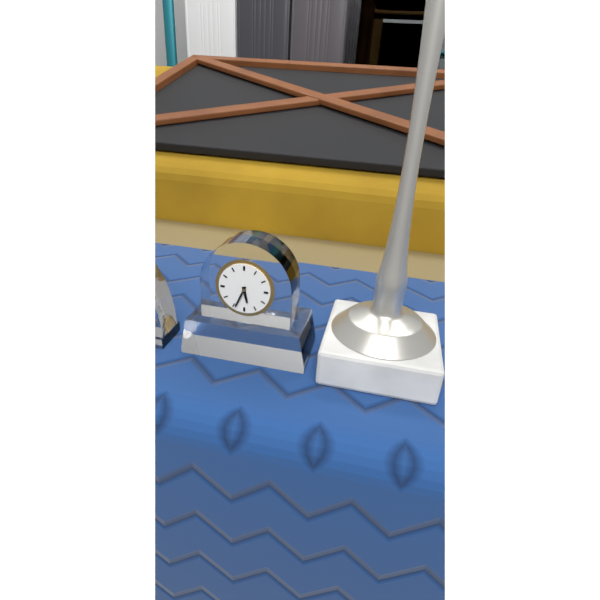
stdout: 5 h 34 min
